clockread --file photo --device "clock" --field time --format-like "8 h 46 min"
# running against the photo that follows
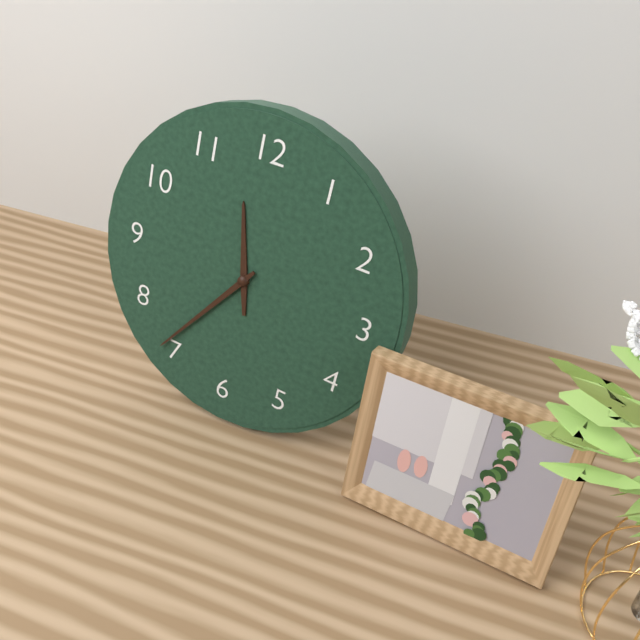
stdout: 11 h 36 min
